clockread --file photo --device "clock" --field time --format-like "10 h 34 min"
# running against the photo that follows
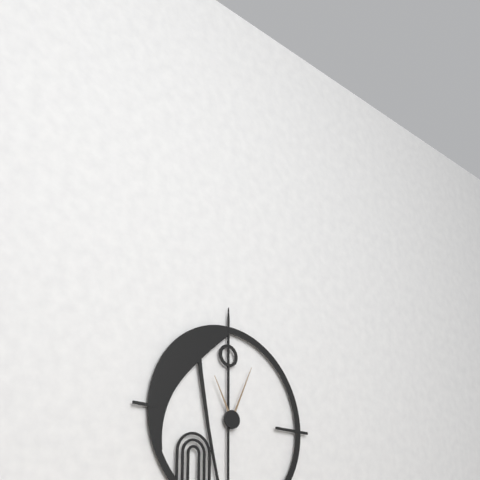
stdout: 11 h 04 min
